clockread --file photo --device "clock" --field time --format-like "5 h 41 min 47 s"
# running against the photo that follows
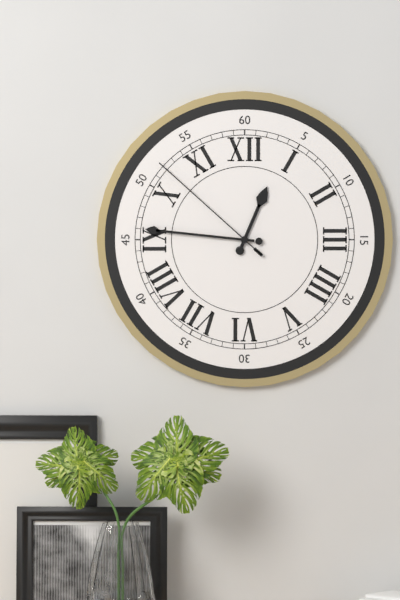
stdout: 12 h 46 min 52 s
